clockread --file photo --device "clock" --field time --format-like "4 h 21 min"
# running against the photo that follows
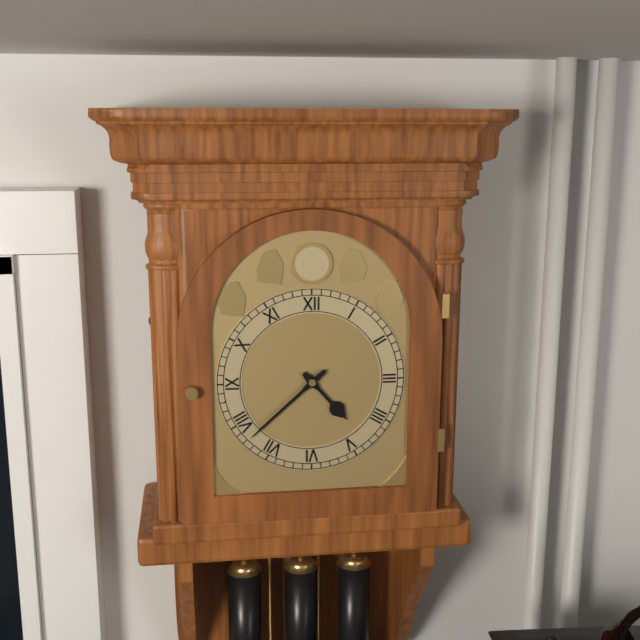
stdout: 4 h 38 min
